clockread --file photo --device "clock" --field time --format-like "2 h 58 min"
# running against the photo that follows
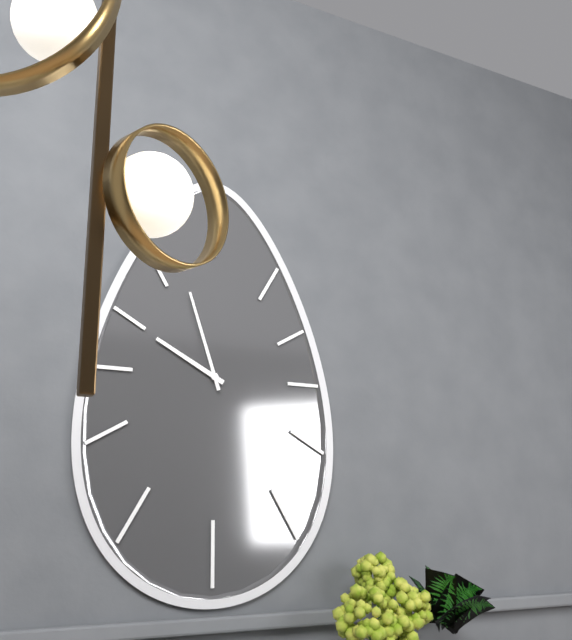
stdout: 9 h 57 min
